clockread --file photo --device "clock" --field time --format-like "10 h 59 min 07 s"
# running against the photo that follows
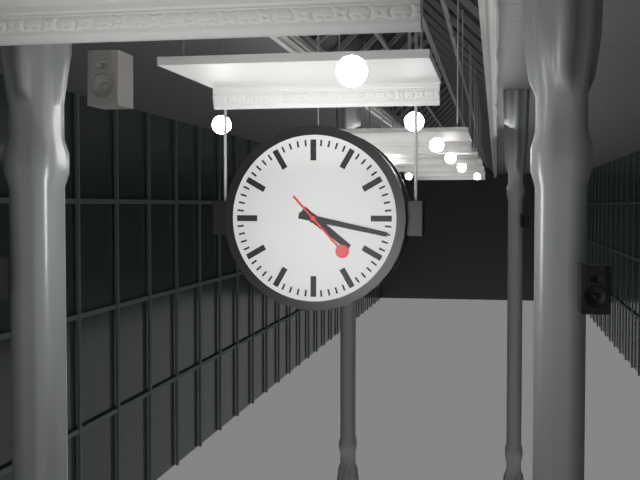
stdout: 4 h 17 min 23 s
